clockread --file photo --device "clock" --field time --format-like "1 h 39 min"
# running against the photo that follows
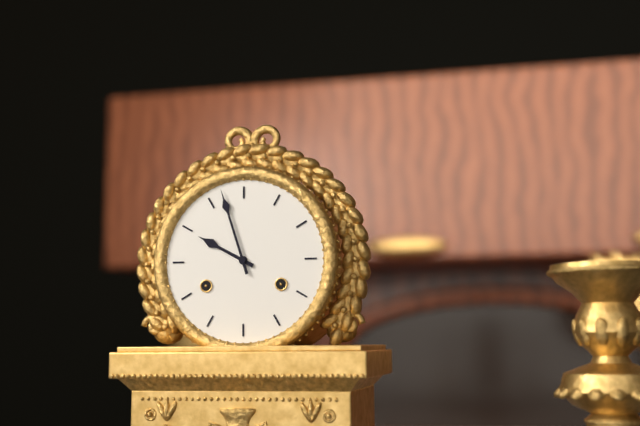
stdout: 9 h 57 min
